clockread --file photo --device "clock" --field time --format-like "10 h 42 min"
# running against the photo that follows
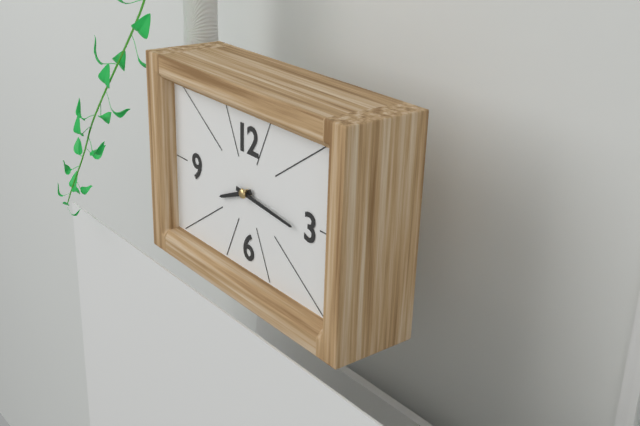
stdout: 8 h 16 min
